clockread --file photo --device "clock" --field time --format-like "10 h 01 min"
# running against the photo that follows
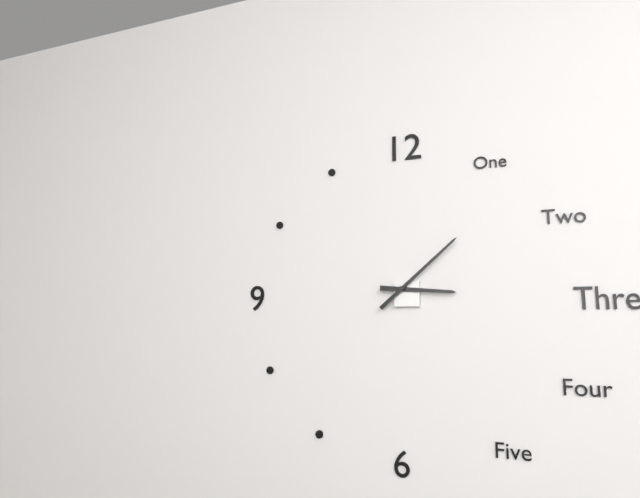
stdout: 3 h 08 min
